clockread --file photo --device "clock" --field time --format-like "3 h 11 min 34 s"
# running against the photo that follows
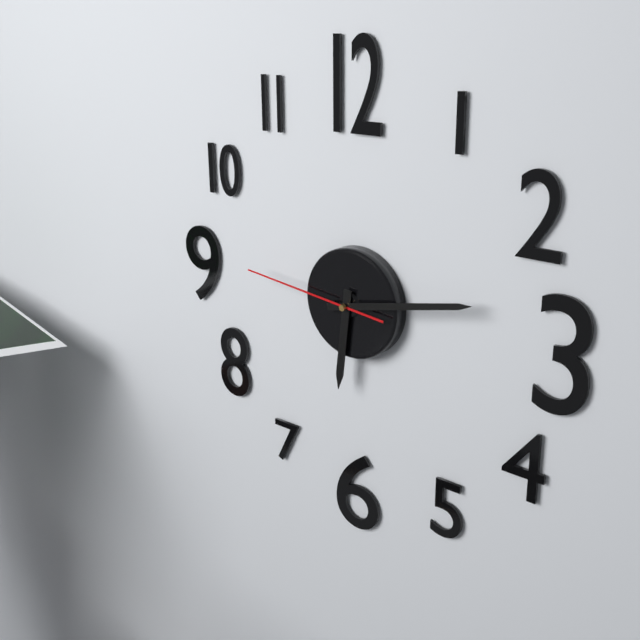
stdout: 6 h 13 min 46 s
